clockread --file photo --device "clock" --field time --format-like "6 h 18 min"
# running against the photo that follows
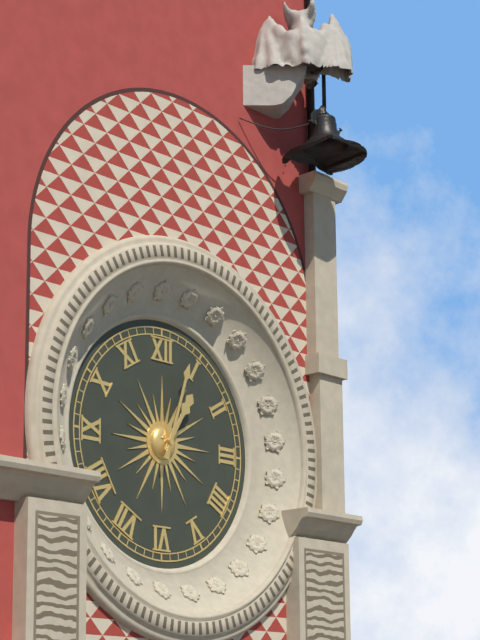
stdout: 1 h 03 min
